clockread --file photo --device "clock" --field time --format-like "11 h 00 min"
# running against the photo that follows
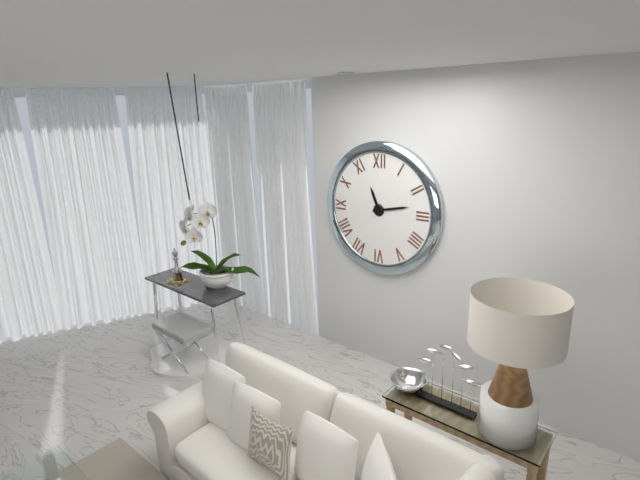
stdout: 11 h 13 min
